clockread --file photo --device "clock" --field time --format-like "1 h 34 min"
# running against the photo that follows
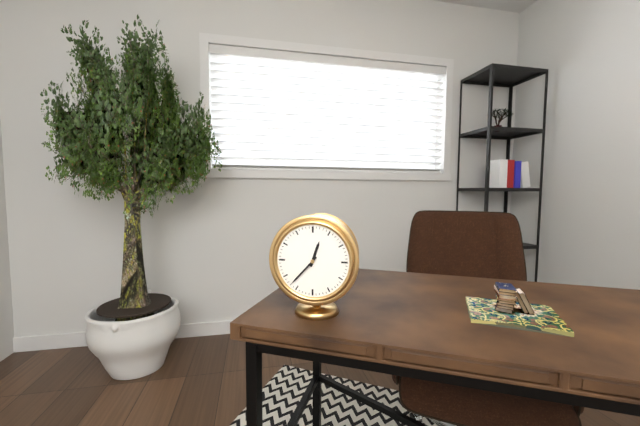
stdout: 12 h 37 min
